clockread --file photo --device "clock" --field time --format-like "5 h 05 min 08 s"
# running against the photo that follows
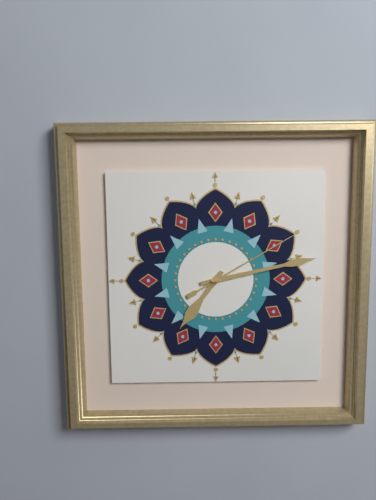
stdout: 7 h 13 min 10 s
